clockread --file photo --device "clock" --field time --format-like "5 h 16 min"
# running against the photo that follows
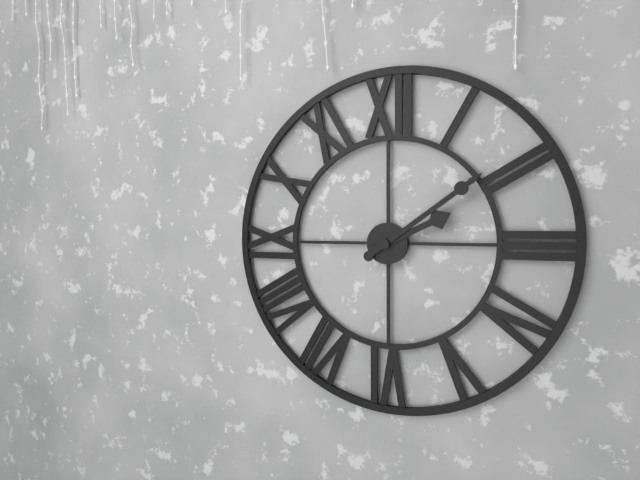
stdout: 2 h 09 min
